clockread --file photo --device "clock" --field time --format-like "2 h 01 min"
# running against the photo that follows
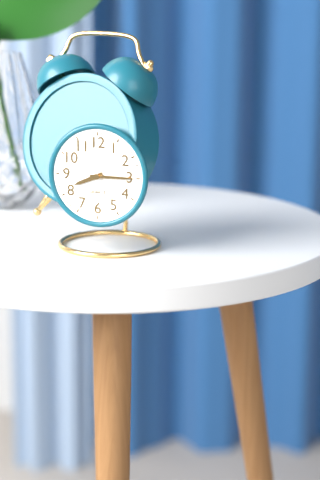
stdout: 8 h 15 min
